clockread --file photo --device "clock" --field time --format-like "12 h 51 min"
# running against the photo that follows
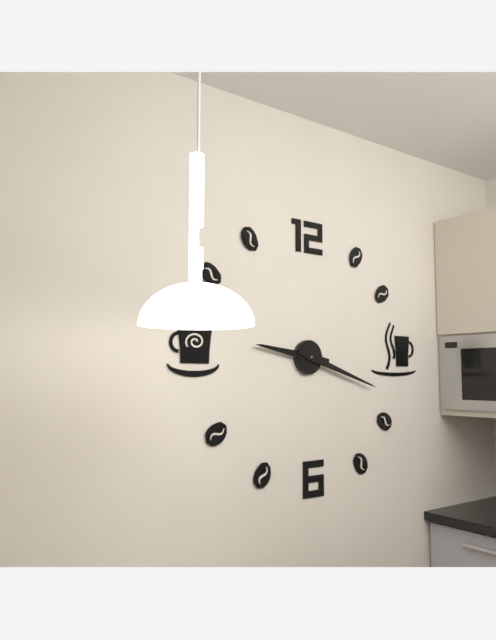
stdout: 9 h 18 min
